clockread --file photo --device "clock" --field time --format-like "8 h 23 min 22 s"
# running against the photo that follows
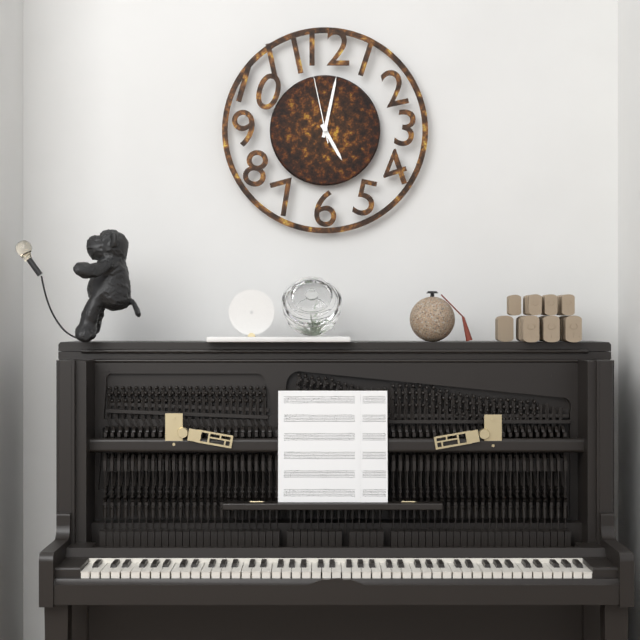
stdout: 5 h 02 min 58 s
